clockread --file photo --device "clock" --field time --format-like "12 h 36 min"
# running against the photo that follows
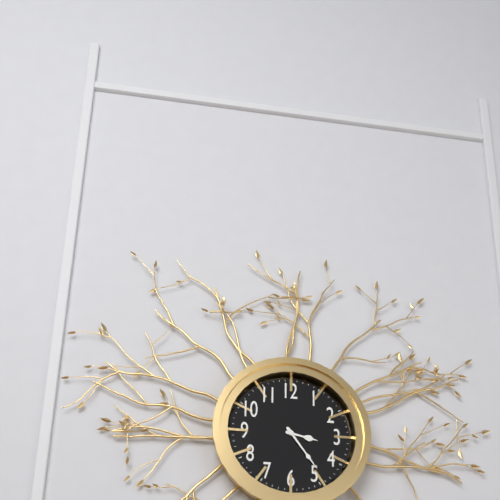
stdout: 3 h 24 min
